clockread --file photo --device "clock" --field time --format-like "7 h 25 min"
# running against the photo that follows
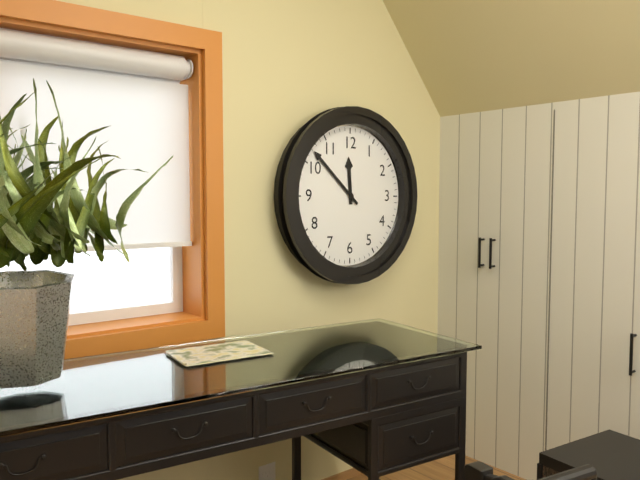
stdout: 11 h 52 min
